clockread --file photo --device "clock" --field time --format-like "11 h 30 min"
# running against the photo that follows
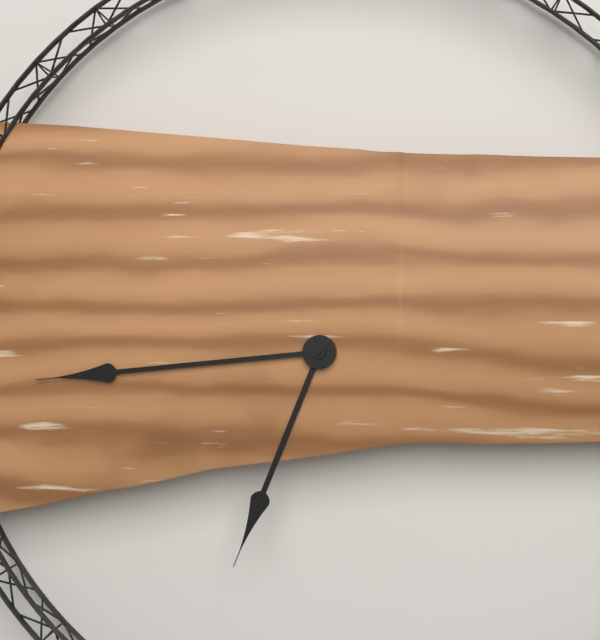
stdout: 6 h 44 min
